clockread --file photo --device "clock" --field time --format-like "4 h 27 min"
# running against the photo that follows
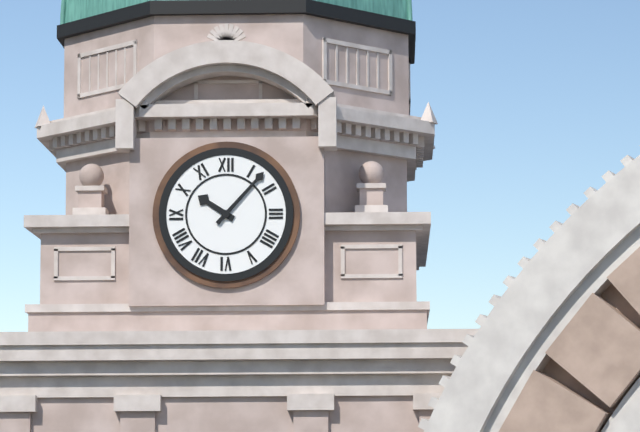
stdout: 10 h 07 min
